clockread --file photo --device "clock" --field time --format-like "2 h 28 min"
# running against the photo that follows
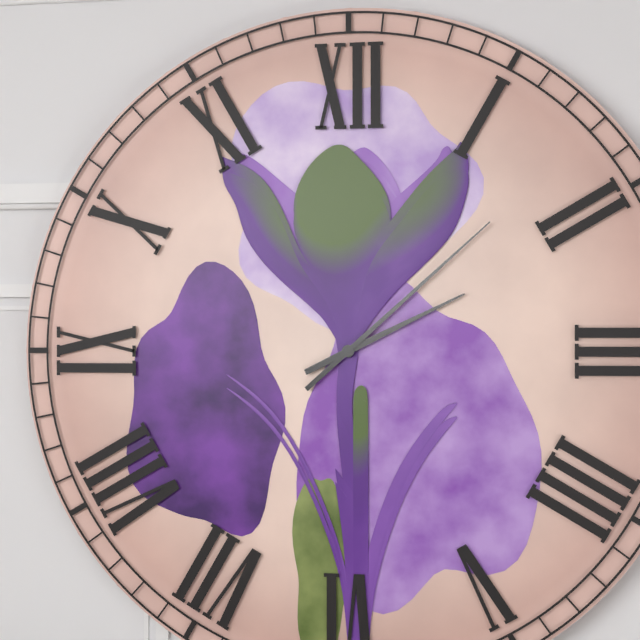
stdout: 2 h 08 min
